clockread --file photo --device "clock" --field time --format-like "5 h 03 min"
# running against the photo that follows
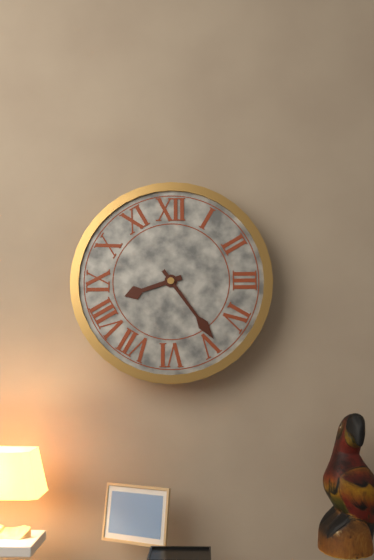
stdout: 8 h 24 min
